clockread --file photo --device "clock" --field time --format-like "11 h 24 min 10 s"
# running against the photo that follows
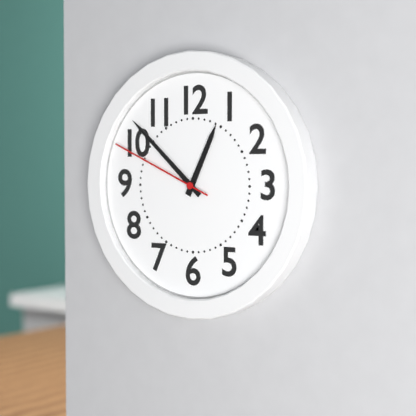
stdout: 12 h 52 min 49 s
